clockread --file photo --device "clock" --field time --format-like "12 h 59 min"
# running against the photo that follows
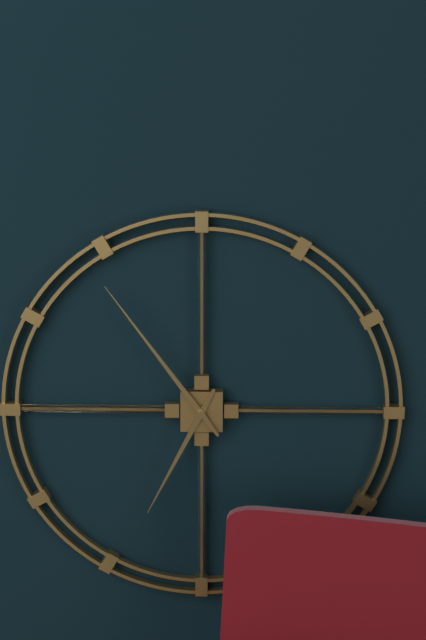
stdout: 6 h 54 min
